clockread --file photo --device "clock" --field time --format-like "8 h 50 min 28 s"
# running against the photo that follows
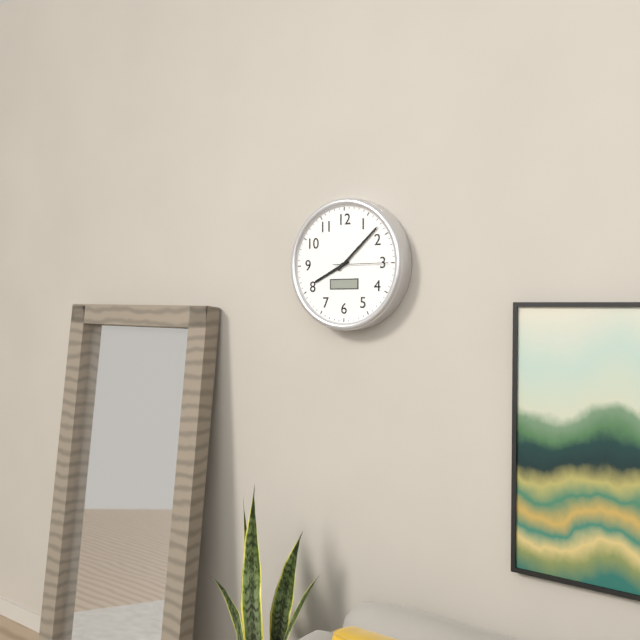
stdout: 8 h 08 min 15 s
